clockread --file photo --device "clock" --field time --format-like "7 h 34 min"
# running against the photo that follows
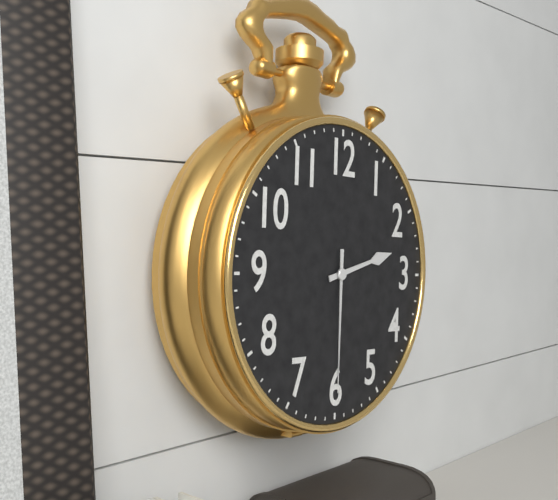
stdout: 2 h 30 min
